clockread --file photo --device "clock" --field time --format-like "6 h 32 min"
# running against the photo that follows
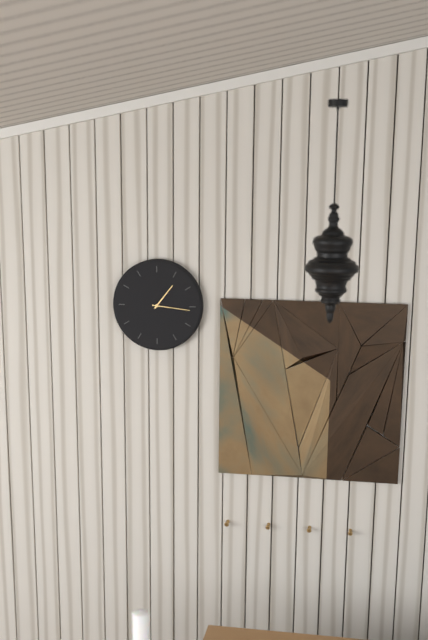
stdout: 1 h 16 min
